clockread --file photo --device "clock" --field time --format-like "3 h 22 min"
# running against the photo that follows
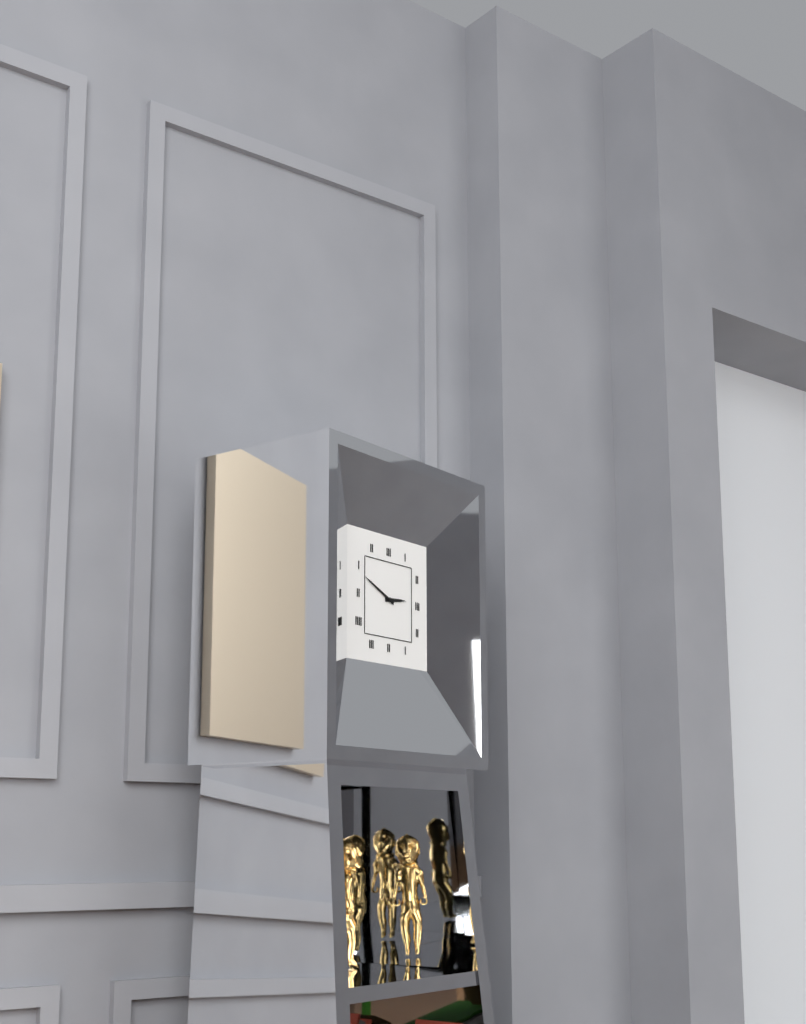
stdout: 2 h 49 min
